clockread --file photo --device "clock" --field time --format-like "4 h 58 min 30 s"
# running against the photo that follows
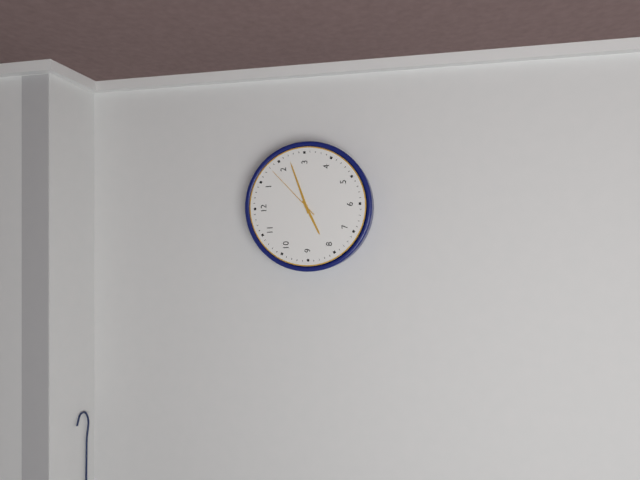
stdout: 8 h 12 min 08 s
